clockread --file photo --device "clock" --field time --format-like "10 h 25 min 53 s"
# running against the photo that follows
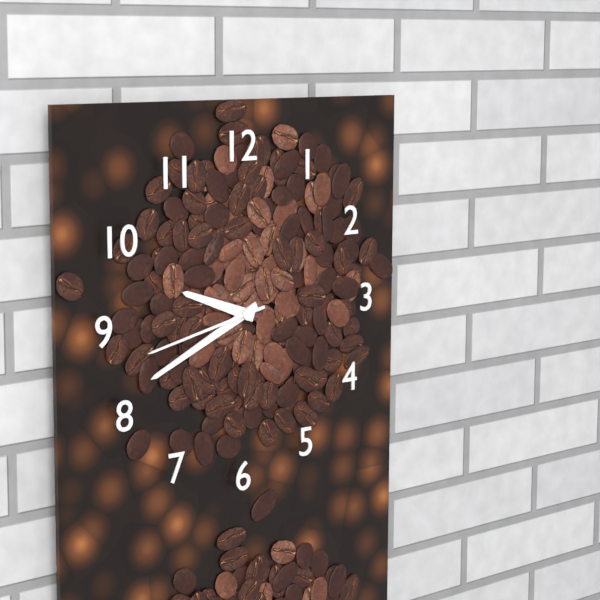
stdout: 9 h 41 min 43 s
